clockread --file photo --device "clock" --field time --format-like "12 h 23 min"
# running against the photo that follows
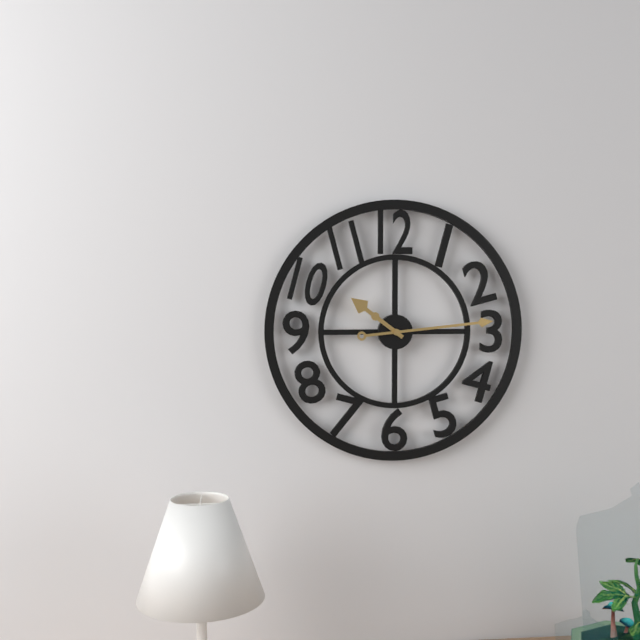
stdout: 10 h 14 min
